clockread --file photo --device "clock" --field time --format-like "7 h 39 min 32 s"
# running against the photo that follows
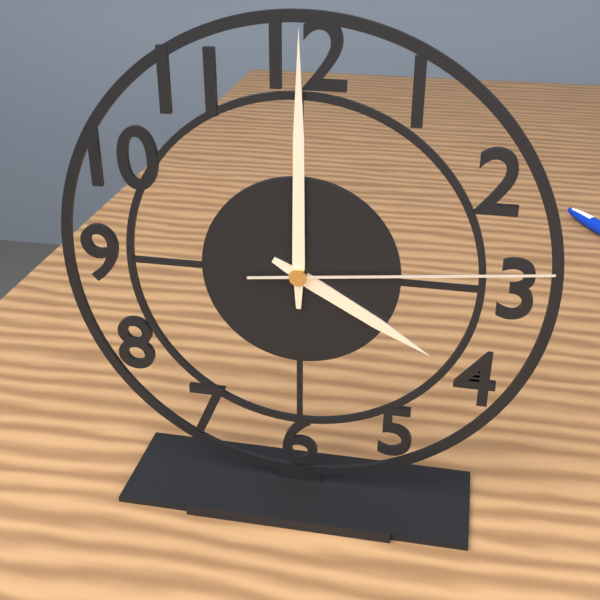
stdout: 4 h 00 min 14 s
